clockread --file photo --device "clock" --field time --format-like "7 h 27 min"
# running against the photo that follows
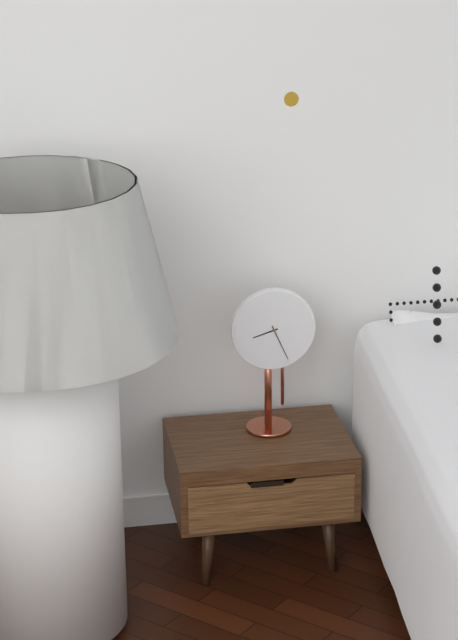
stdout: 8 h 26 min
